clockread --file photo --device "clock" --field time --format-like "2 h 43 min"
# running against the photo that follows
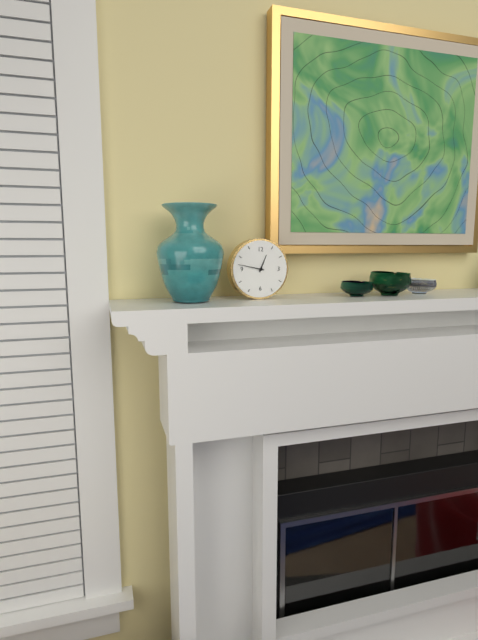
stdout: 12 h 47 min
